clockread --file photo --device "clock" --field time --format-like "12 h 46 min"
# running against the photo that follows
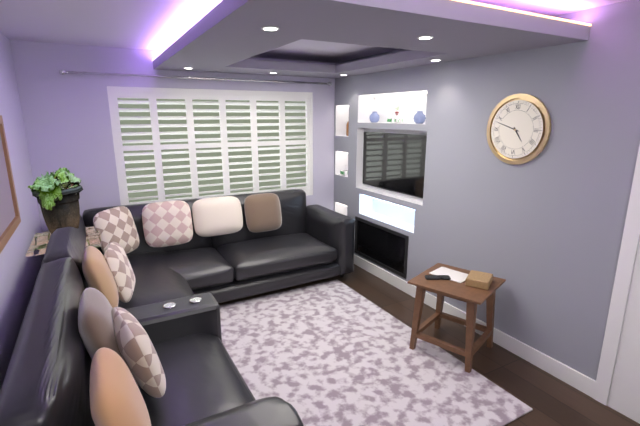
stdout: 4 h 48 min
